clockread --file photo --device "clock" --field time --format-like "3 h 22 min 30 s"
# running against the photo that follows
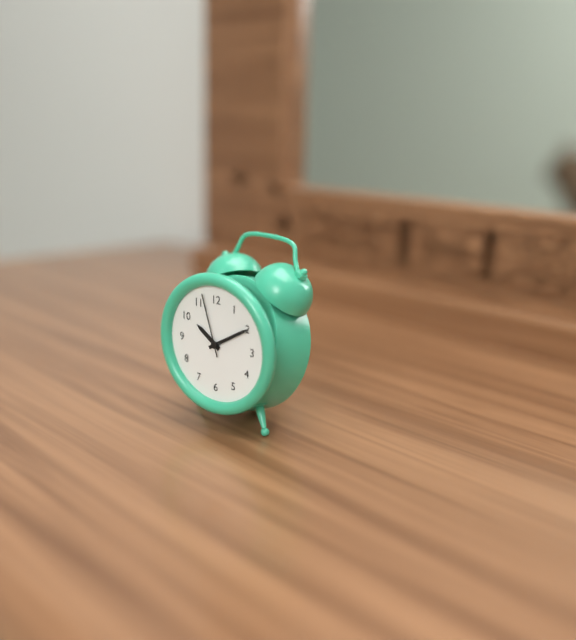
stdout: 10 h 10 min 57 s
